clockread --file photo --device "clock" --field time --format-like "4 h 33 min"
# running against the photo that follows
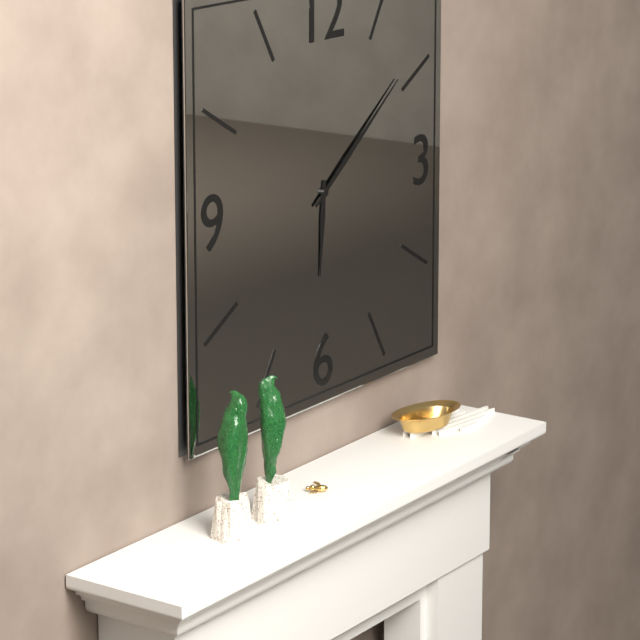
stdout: 6 h 09 min
